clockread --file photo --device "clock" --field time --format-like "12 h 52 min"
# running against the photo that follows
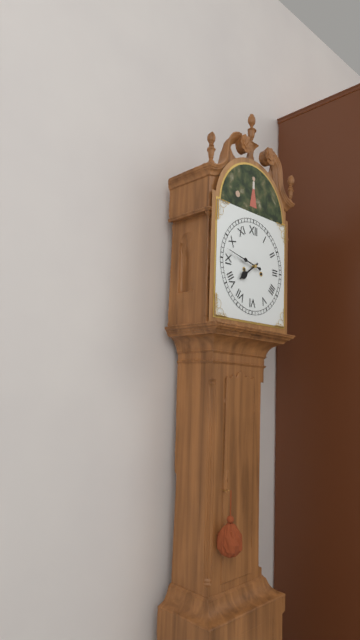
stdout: 7 h 47 min
